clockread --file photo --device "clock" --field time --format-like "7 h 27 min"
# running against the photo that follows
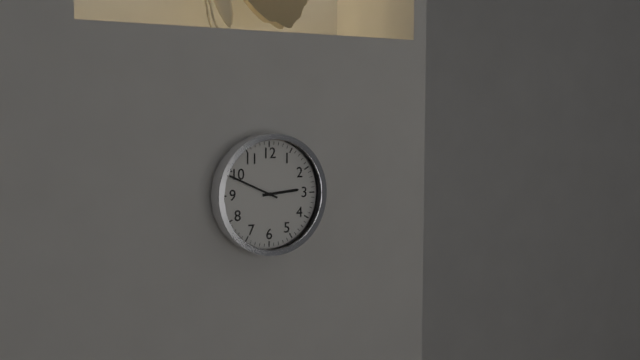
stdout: 2 h 49 min
